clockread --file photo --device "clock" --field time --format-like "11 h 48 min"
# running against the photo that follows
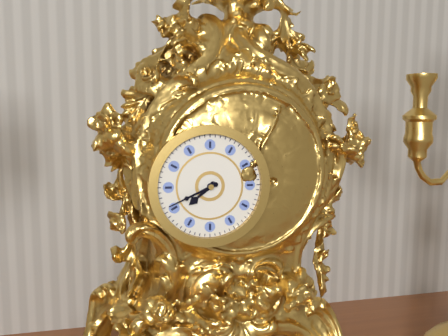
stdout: 7 h 41 min
